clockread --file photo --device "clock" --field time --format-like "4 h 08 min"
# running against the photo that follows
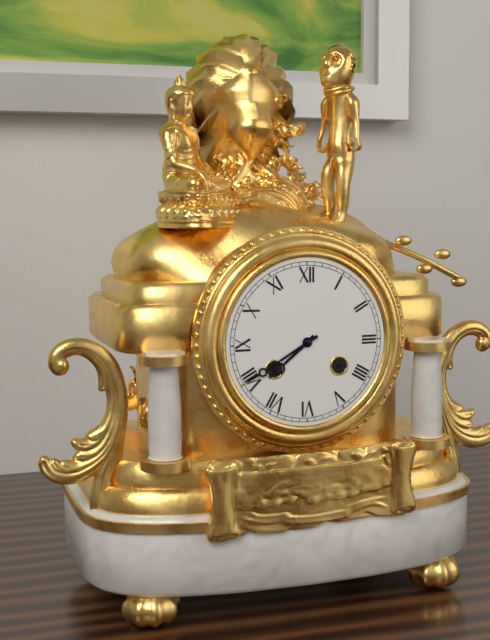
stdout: 7 h 40 min
